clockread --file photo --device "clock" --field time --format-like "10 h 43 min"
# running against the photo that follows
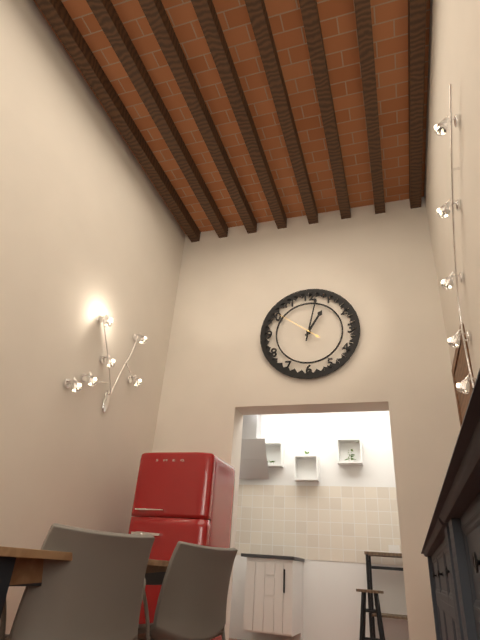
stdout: 1 h 02 min
